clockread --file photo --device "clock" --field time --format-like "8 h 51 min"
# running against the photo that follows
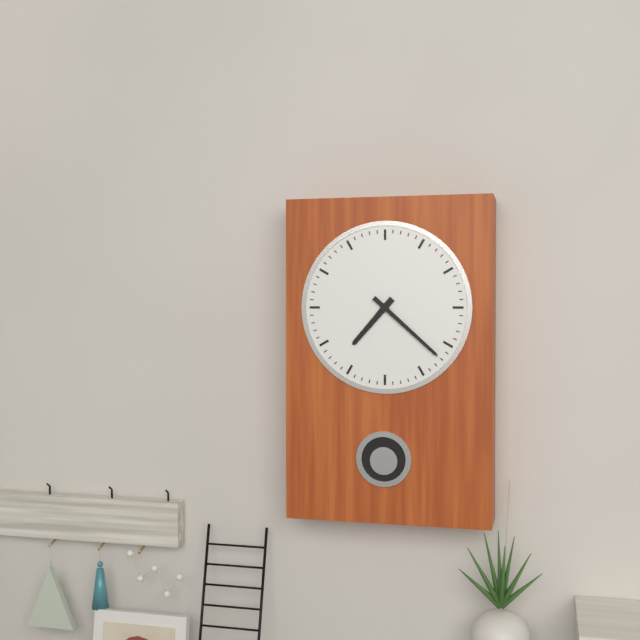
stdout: 7 h 22 min
